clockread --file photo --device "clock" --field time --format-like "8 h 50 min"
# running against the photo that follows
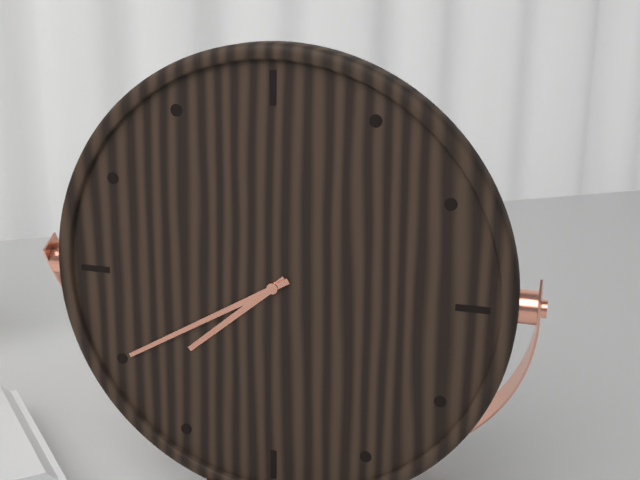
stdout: 7 h 40 min
